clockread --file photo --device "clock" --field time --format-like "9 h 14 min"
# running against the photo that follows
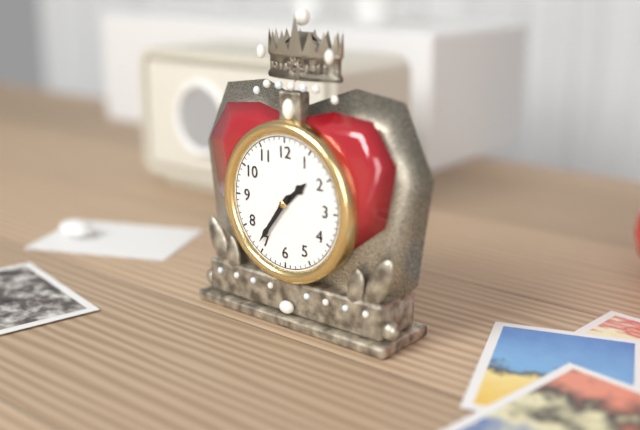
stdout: 1 h 36 min
